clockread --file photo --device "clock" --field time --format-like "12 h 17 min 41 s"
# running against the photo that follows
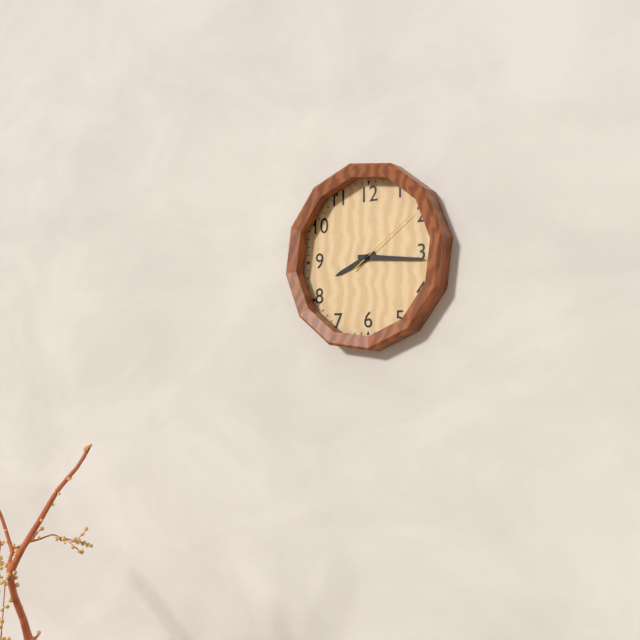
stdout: 8 h 16 min 09 s
